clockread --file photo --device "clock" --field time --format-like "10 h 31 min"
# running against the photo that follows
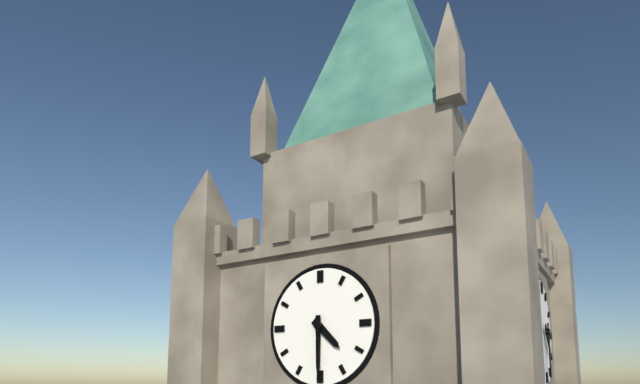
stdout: 4 h 30 min
